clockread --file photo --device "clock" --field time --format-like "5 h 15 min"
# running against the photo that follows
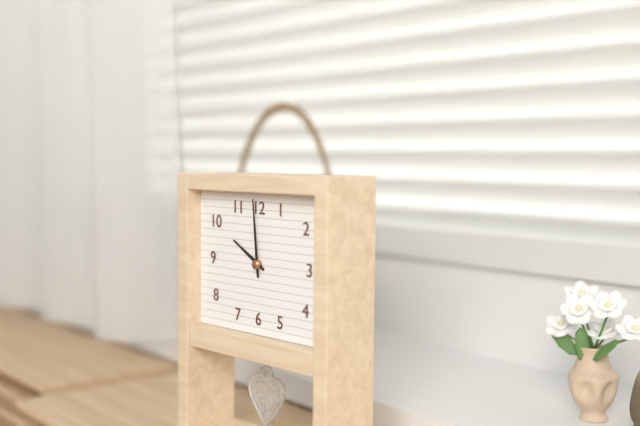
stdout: 9 h 59 min
